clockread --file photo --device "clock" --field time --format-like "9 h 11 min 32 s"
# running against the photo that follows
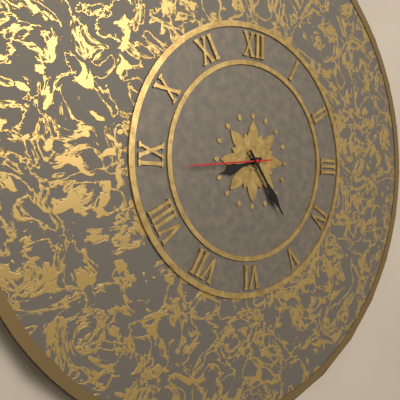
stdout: 8 h 24 min 44 s
